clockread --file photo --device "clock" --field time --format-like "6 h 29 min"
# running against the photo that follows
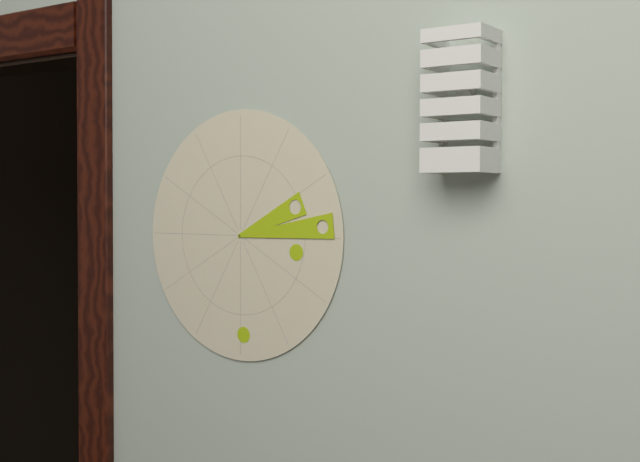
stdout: 2 h 14 min
